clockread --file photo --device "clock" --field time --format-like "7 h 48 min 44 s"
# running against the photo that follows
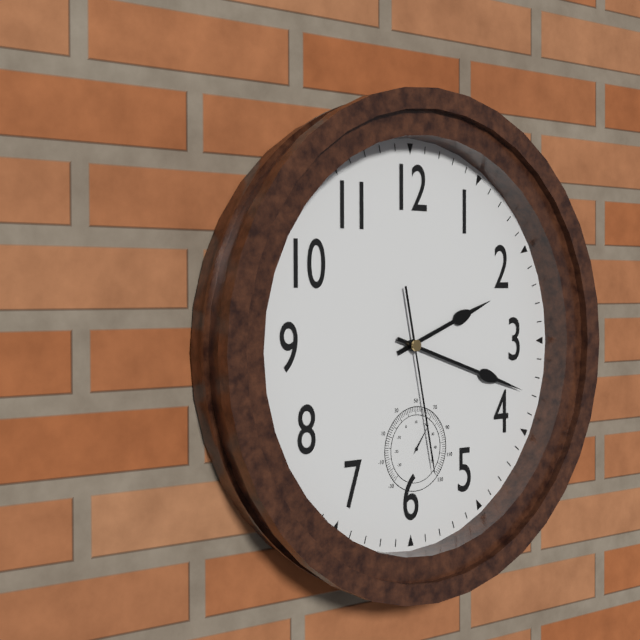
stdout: 2 h 18 min 28 s
